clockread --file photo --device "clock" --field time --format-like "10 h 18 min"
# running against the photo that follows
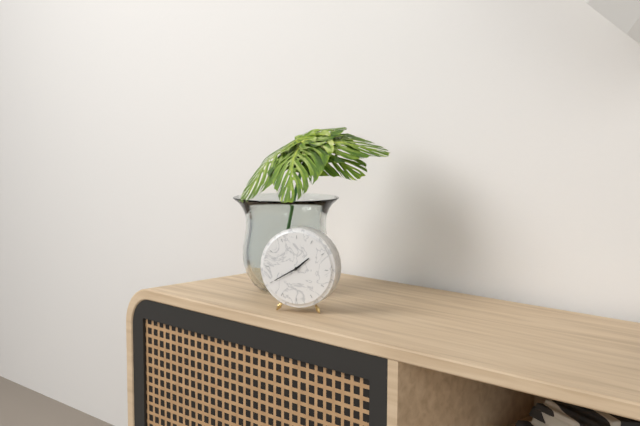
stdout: 1 h 40 min
